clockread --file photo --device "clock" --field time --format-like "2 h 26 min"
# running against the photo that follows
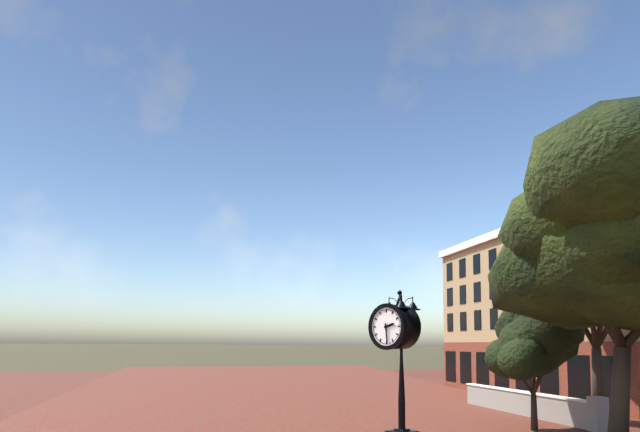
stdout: 2 h 29 min
